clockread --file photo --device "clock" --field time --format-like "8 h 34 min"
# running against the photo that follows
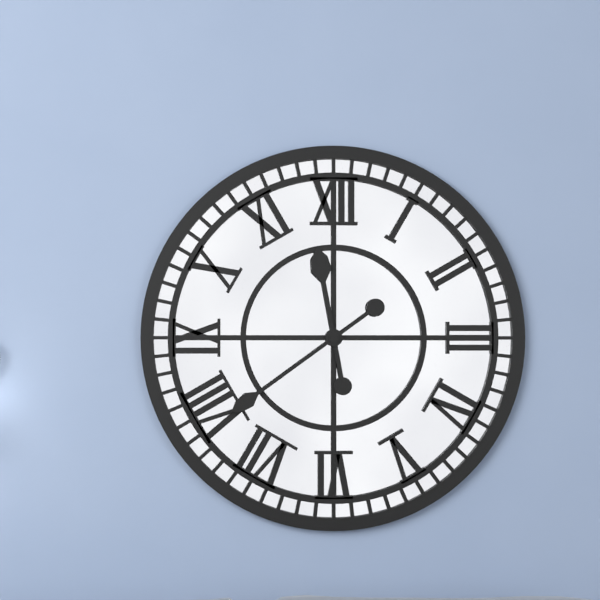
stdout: 11 h 39 min
